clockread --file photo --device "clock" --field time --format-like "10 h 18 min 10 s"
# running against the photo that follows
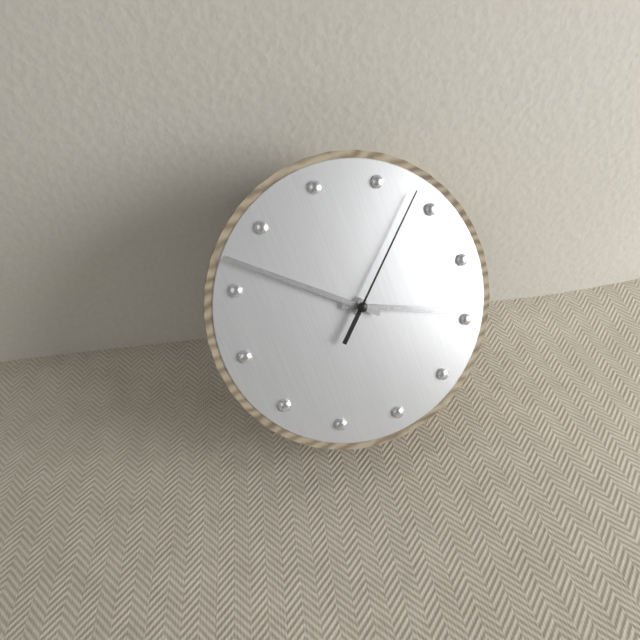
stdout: 3 h 52 min 08 s
